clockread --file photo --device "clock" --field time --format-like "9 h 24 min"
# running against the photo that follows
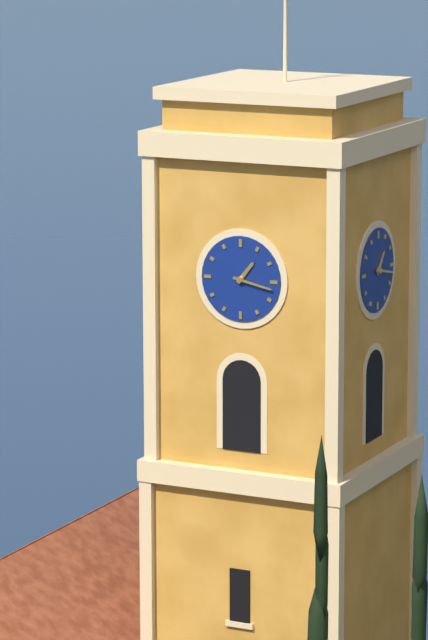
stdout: 1 h 17 min
